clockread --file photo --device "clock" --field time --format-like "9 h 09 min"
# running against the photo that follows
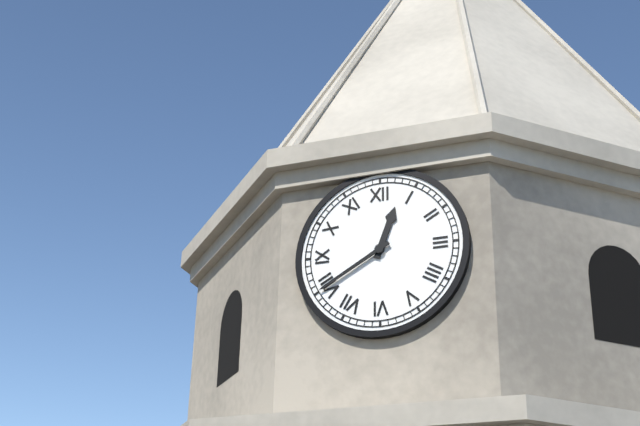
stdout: 12 h 40 min
